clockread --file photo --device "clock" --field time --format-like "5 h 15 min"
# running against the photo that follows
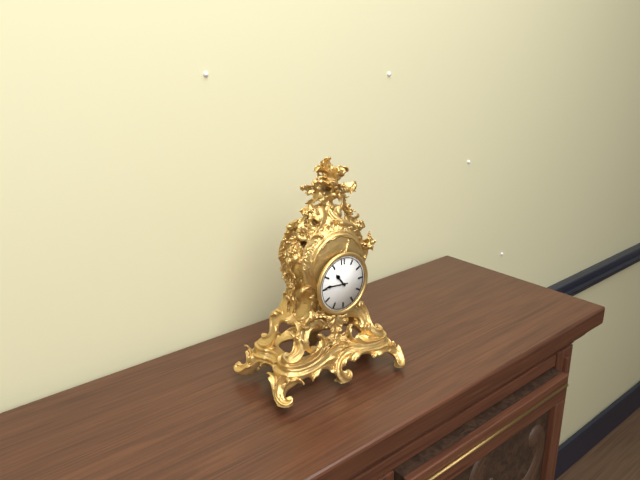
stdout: 10 h 46 min
